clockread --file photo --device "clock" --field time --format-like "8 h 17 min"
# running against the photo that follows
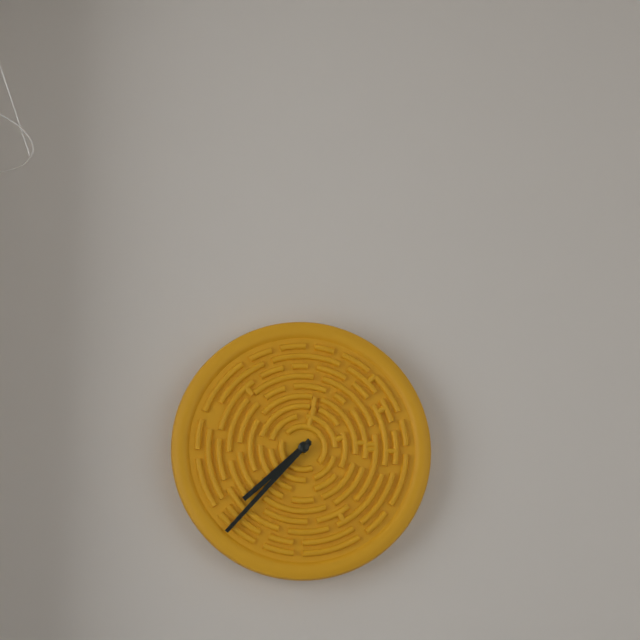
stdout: 7 h 37 min
